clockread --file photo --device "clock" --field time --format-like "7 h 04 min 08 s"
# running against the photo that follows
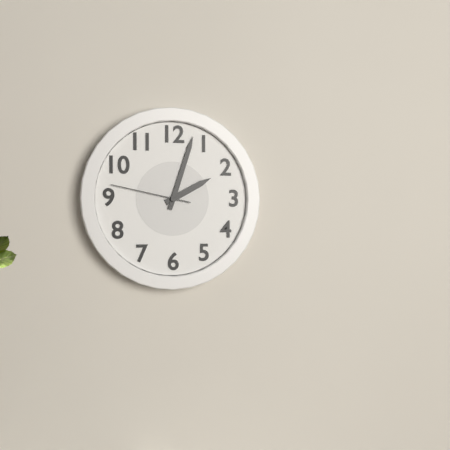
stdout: 2 h 03 min 47 s
